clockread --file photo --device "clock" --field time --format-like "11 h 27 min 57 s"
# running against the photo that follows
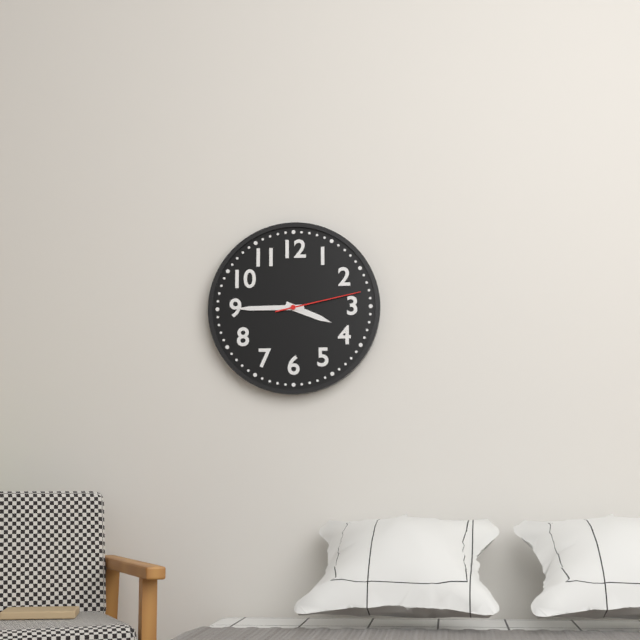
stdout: 3 h 45 min 13 s
